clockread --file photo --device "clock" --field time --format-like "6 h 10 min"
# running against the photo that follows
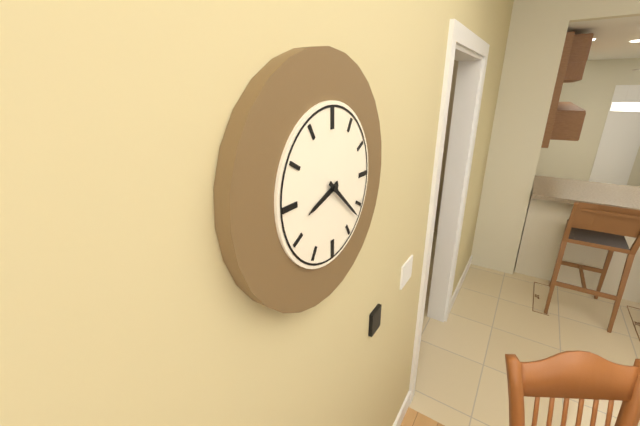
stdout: 8 h 22 min
